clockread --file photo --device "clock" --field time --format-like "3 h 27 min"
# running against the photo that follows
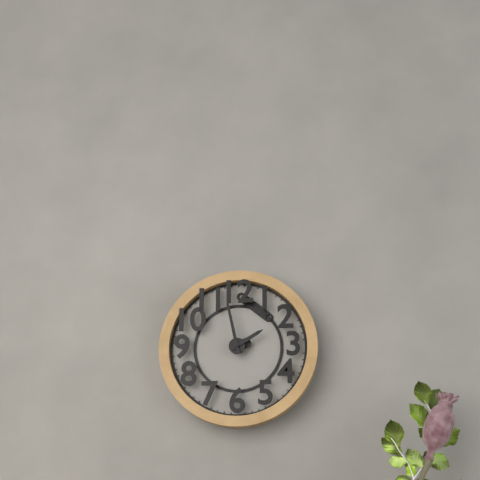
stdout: 1 h 58 min
